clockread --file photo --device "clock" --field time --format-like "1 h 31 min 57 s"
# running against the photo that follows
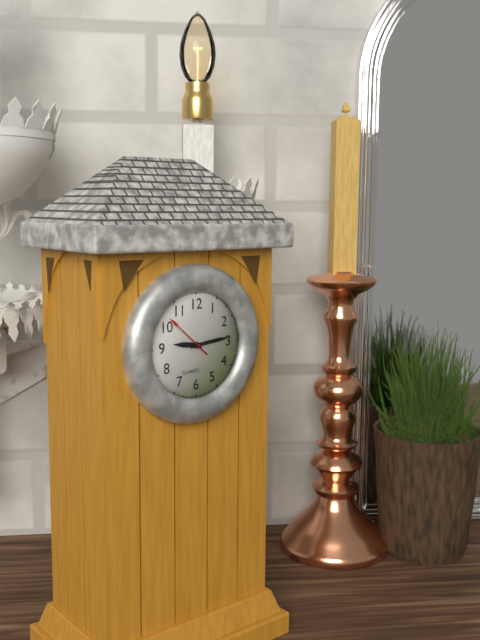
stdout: 9 h 14 min 52 s
